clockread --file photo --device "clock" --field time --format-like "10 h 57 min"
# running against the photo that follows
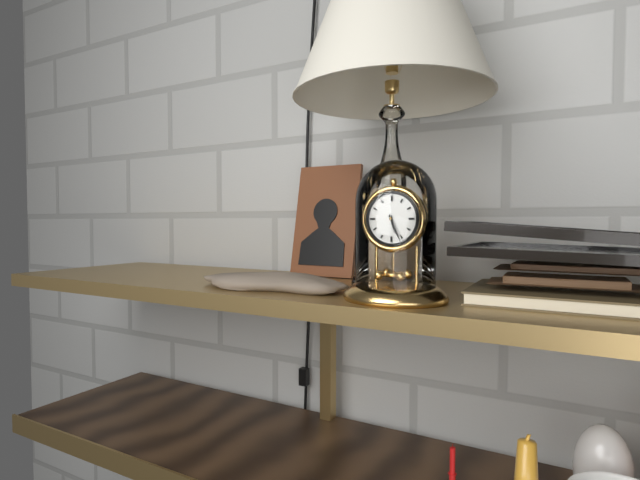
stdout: 5 h 26 min
